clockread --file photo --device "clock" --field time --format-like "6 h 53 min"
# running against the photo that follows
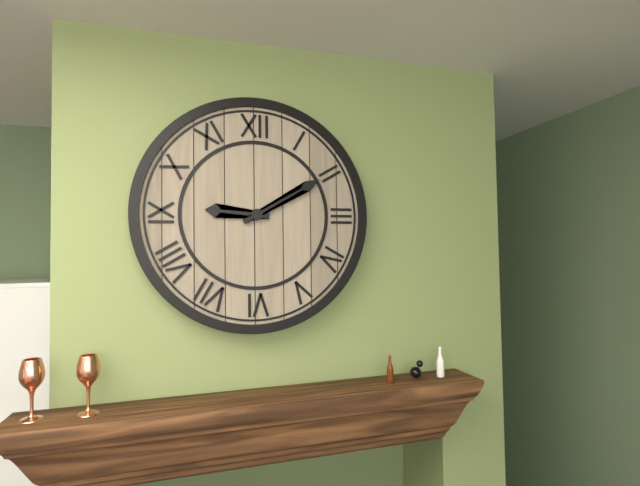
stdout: 9 h 10 min
